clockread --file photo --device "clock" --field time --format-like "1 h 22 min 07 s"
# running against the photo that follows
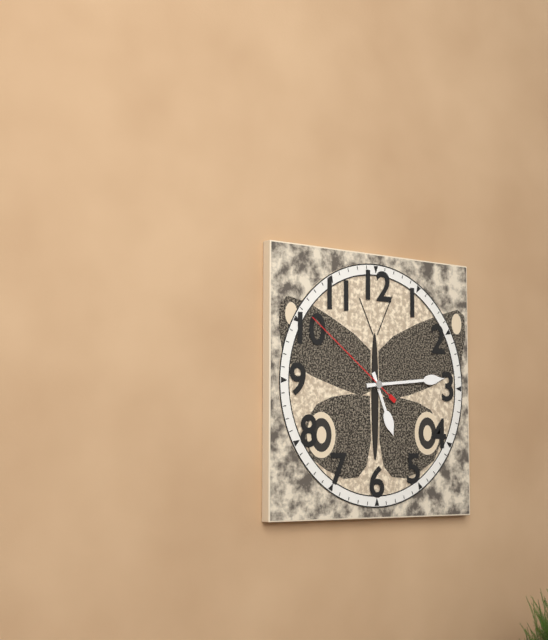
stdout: 5 h 14 min 51 s
